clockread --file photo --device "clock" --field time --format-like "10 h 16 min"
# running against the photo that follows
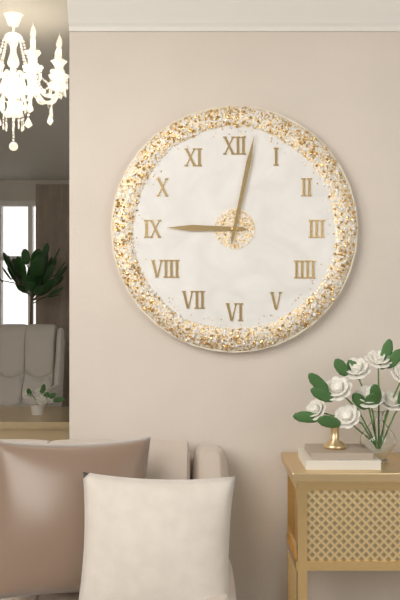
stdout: 9 h 02 min
